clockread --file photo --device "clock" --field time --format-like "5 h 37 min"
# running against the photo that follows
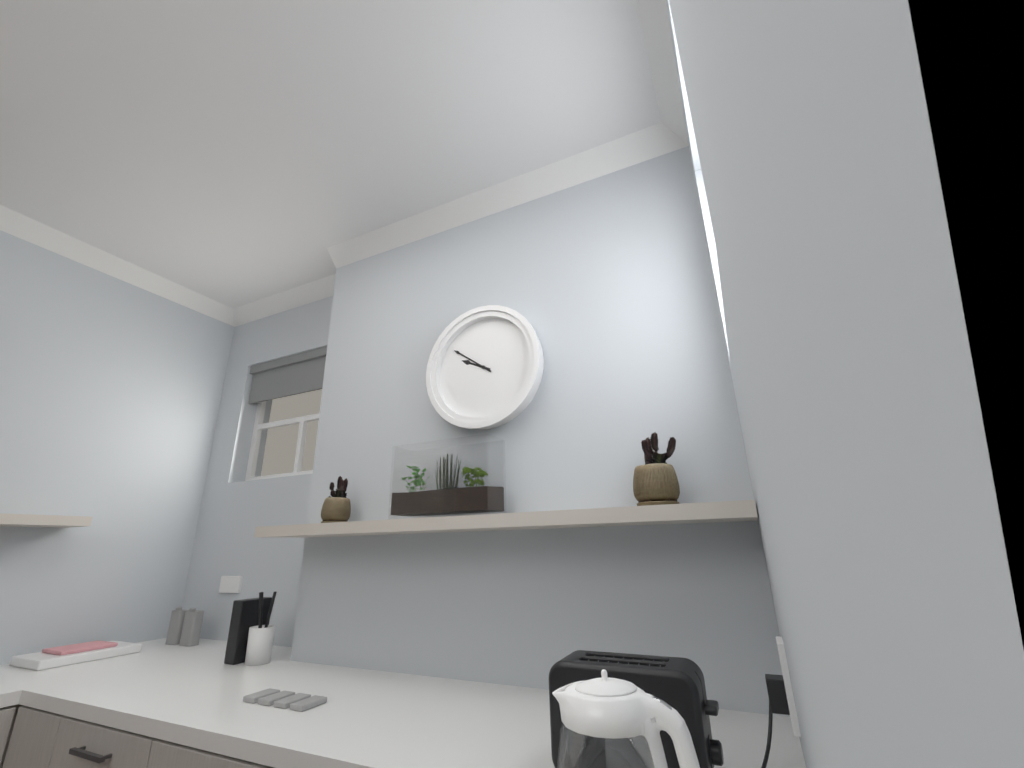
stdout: 9 h 51 min
